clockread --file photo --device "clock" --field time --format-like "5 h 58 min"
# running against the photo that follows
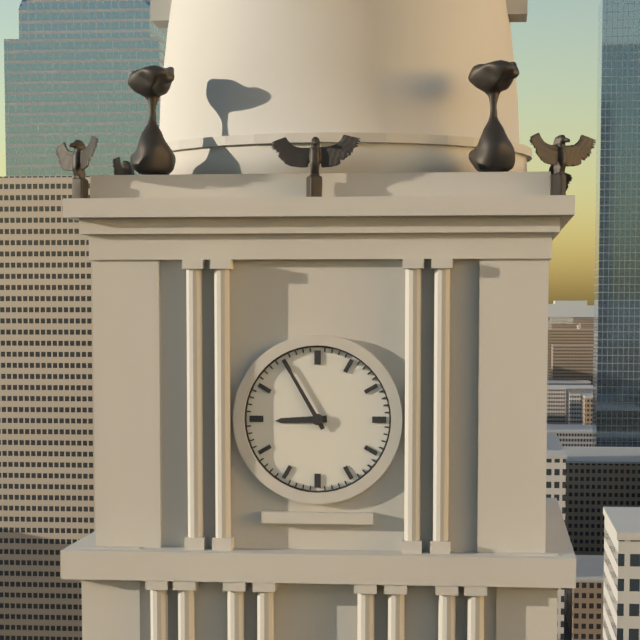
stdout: 8 h 55 min
